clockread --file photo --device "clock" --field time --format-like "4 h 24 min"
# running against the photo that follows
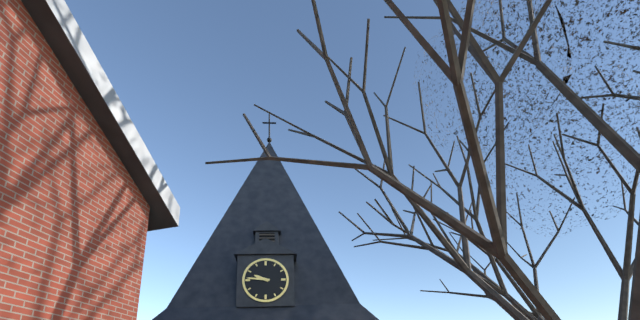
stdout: 9 h 46 min
